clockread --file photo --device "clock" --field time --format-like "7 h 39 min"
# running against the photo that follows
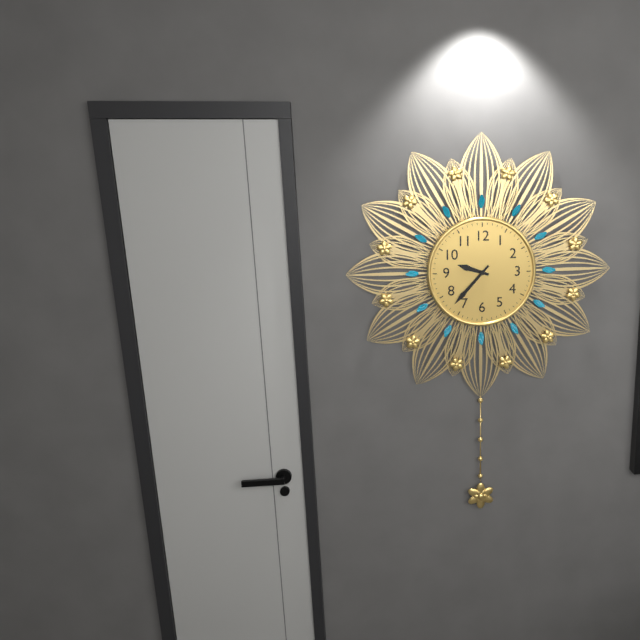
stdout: 9 h 37 min
